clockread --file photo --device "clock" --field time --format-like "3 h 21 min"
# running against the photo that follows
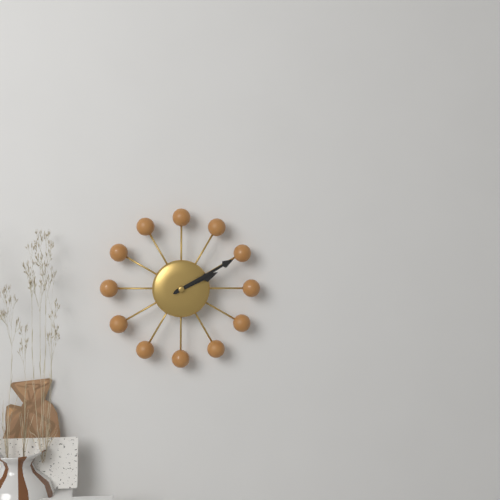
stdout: 2 h 10 min
